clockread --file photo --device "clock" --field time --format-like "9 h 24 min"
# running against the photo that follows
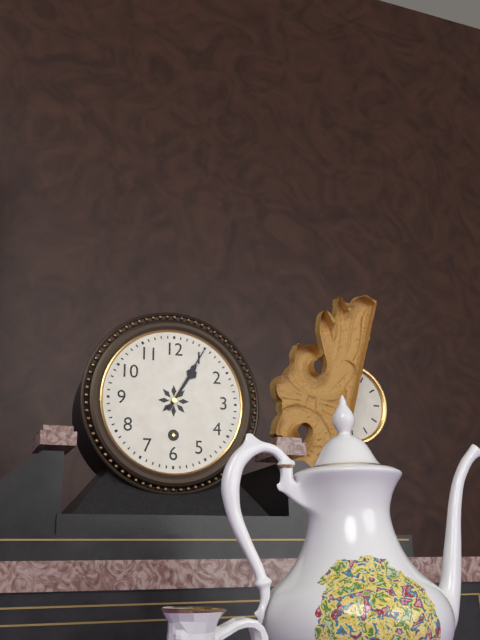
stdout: 1 h 05 min
